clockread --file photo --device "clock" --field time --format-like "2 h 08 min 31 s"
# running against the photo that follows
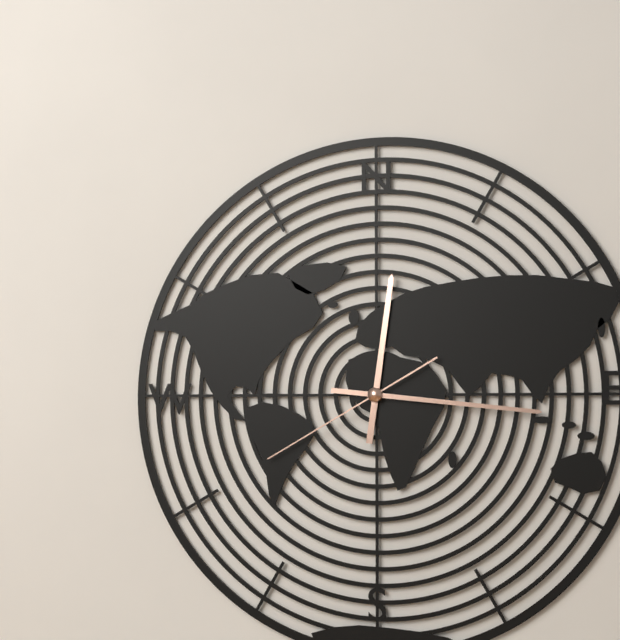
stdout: 12 h 16 min 40 s
